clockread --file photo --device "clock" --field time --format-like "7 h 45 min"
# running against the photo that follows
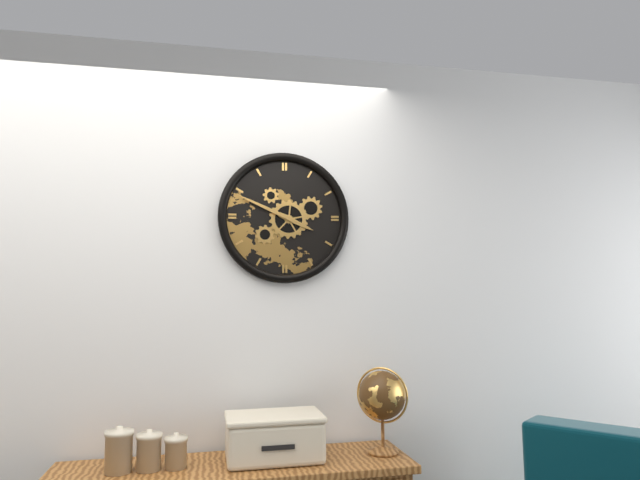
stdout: 3 h 49 min
